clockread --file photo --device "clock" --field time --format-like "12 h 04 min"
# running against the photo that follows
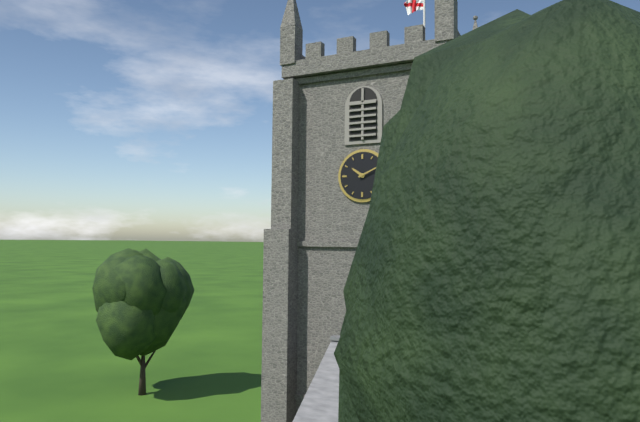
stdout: 10 h 11 min
